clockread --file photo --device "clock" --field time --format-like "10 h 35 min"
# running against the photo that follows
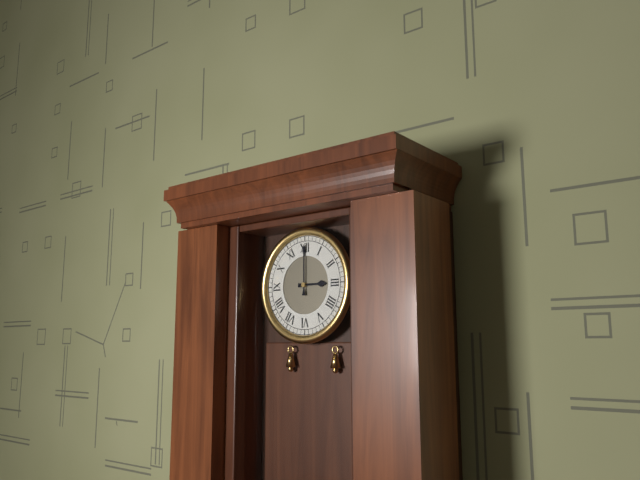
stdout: 3 h 00 min
